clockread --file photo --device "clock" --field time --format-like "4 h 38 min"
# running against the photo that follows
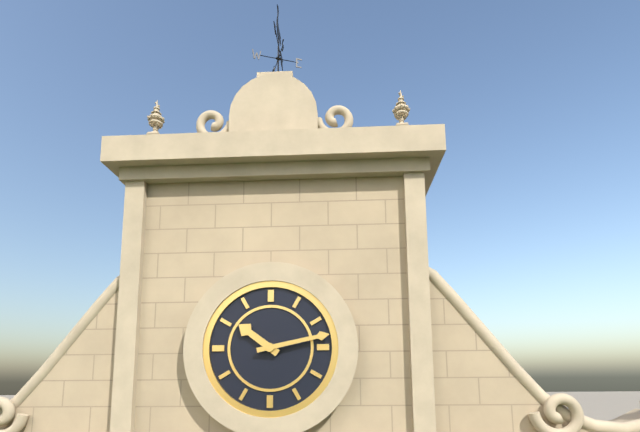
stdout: 10 h 13 min
